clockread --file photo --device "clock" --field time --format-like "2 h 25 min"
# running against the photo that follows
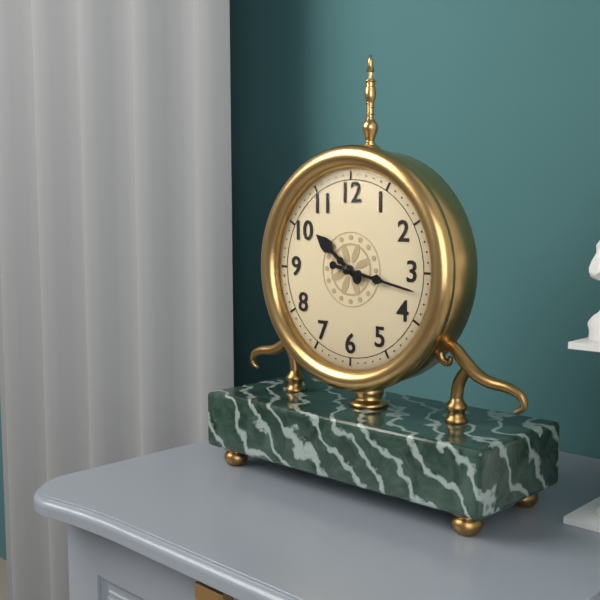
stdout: 10 h 17 min
